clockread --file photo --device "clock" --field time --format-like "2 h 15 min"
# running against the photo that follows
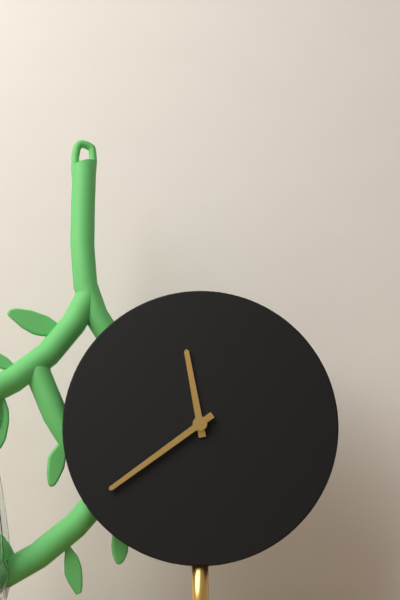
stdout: 11 h 39 min
